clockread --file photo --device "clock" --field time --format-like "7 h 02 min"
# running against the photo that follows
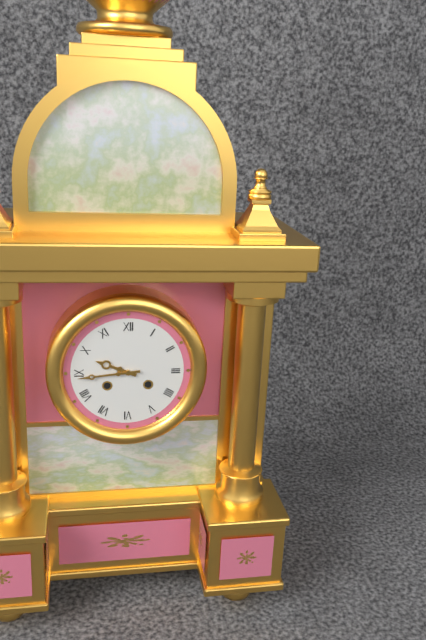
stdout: 9 h 44 min
